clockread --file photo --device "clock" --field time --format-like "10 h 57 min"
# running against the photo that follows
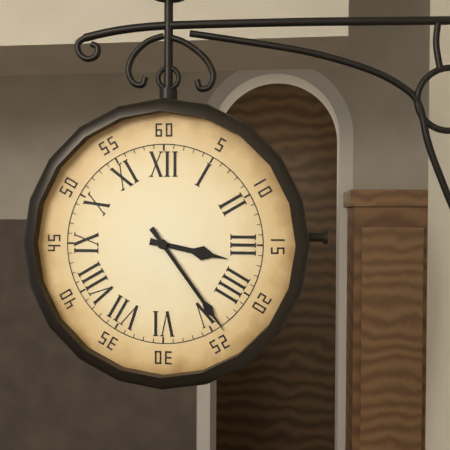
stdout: 3 h 24 min
